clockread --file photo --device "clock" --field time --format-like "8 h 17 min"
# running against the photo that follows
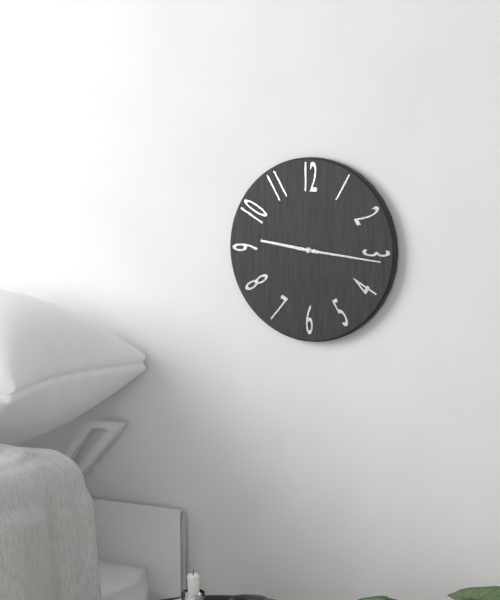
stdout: 9 h 16 min
